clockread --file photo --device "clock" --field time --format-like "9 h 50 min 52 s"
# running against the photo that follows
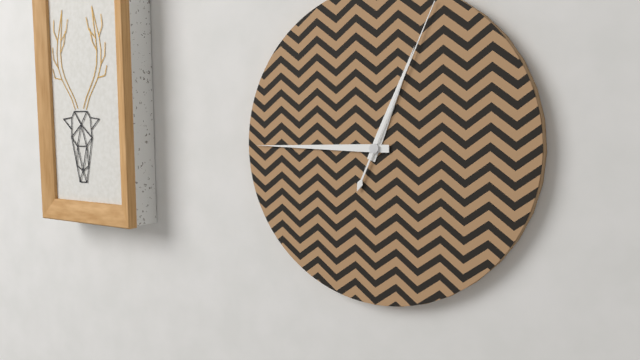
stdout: 12 h 45 min 04 s
